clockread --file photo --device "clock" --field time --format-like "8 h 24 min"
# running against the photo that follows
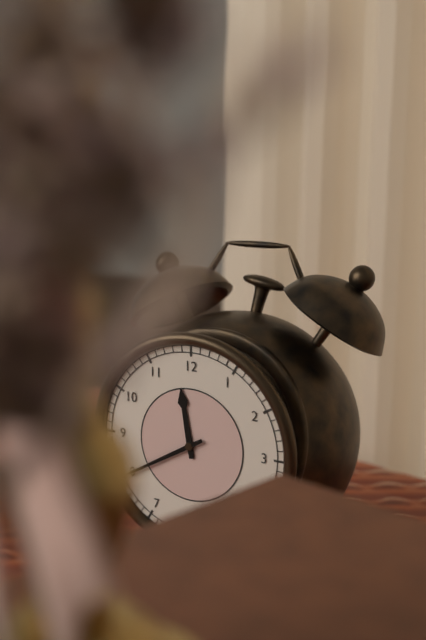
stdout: 11 h 40 min
